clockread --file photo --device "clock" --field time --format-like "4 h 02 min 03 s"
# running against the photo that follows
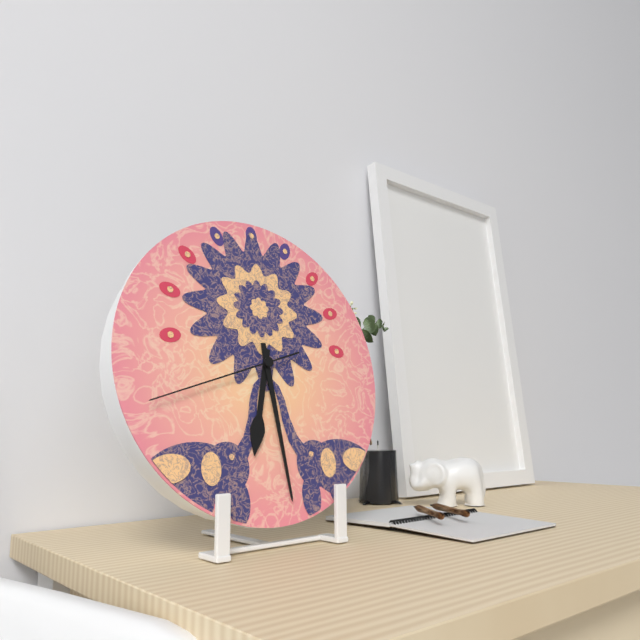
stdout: 6 h 29 min 42 s
